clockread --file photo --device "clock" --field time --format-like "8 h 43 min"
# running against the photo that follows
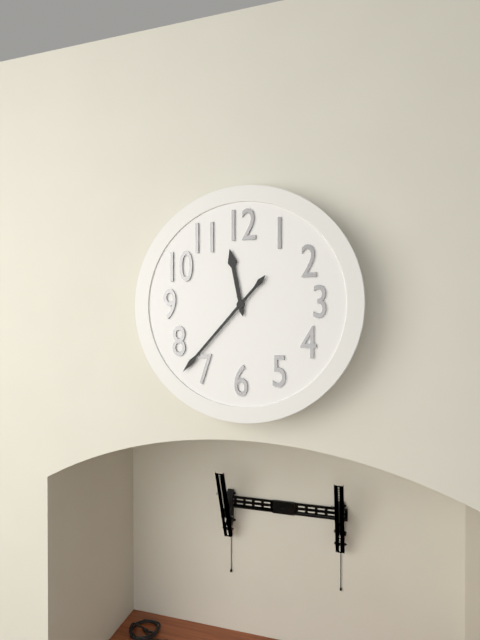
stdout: 11 h 37 min
